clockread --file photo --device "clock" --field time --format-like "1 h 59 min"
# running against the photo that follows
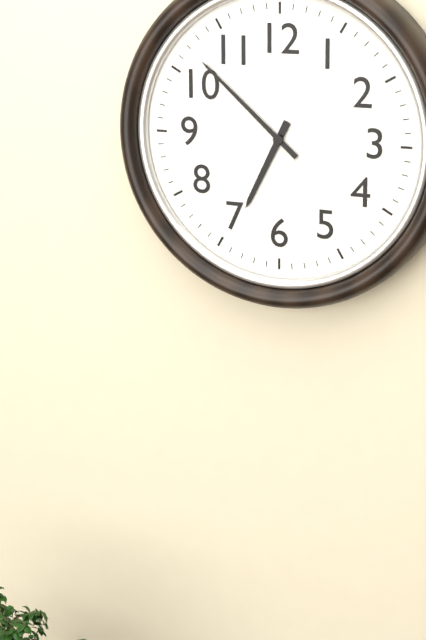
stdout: 6 h 52 min
